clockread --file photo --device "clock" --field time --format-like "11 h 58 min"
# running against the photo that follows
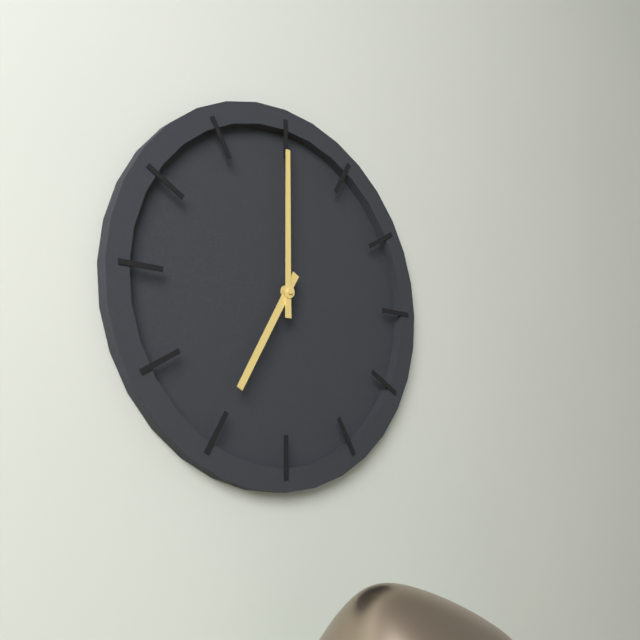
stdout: 7 h 00 min
